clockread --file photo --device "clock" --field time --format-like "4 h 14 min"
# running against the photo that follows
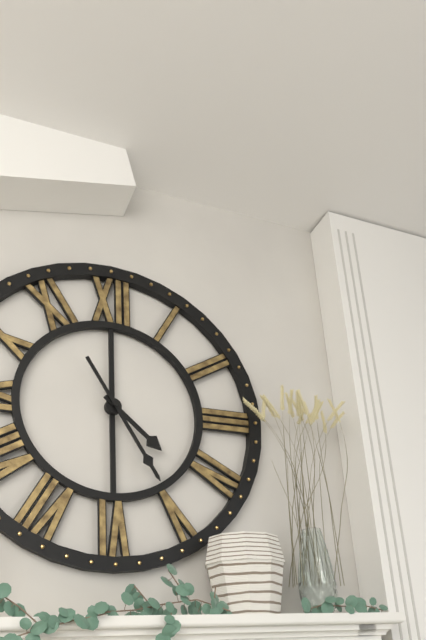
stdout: 4 h 25 min
